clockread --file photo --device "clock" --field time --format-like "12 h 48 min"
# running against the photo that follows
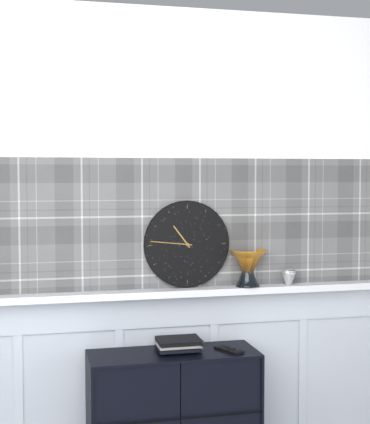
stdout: 10 h 46 min
